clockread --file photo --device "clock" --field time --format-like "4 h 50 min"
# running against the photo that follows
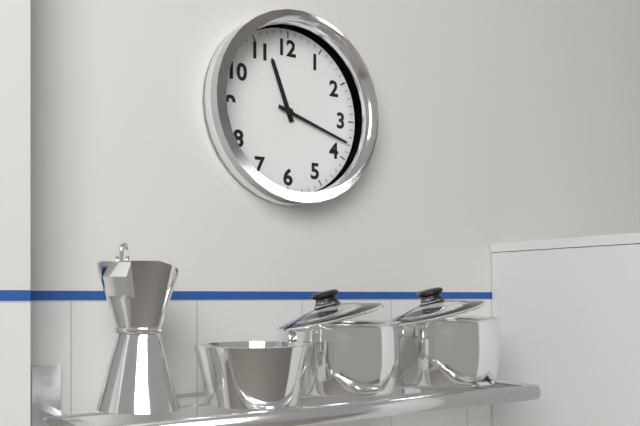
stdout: 11 h 18 min
